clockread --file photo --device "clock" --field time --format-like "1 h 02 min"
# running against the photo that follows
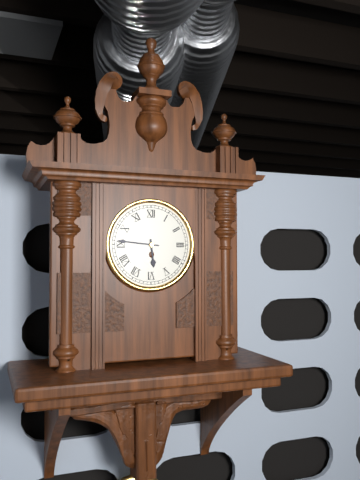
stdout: 5 h 46 min
